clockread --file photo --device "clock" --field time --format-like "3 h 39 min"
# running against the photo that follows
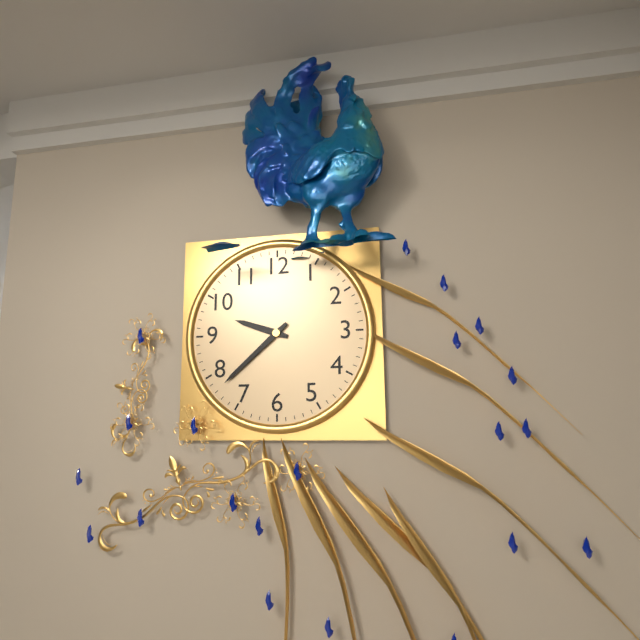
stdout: 9 h 38 min
